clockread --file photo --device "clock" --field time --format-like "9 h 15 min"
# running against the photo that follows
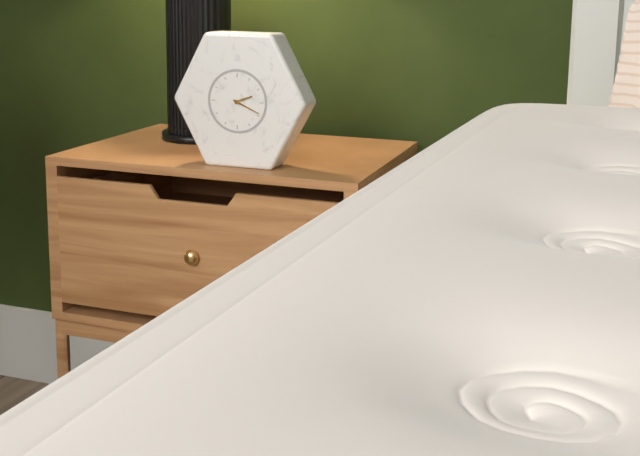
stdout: 2 h 19 min
